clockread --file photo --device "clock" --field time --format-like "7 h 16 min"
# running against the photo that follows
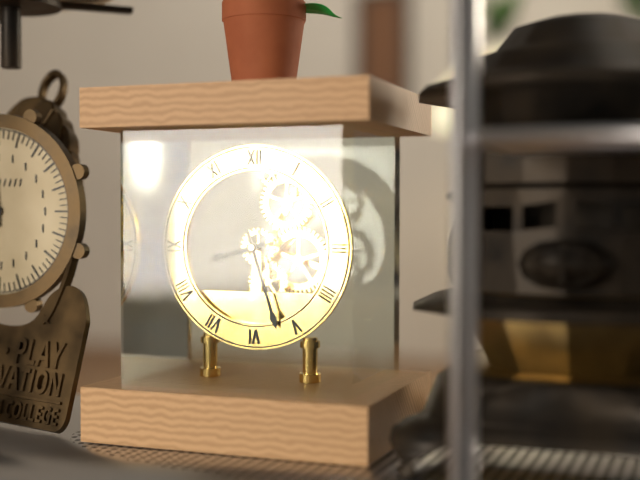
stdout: 8 h 27 min
